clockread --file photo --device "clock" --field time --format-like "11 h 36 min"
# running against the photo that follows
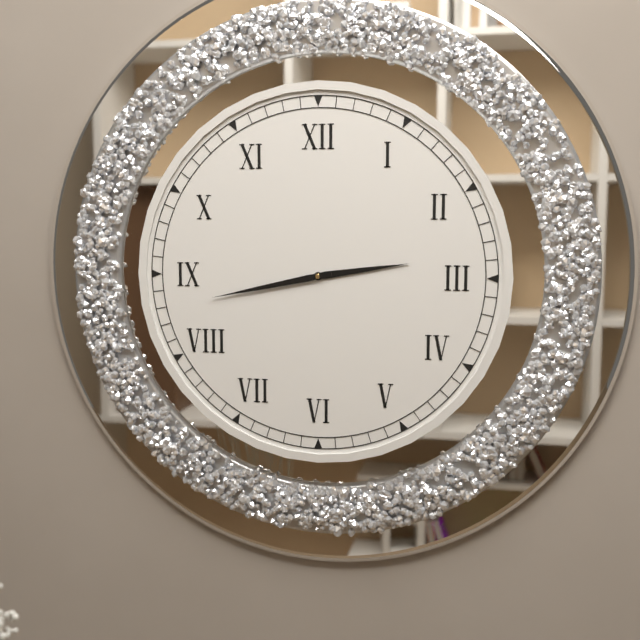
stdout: 2 h 43 min
